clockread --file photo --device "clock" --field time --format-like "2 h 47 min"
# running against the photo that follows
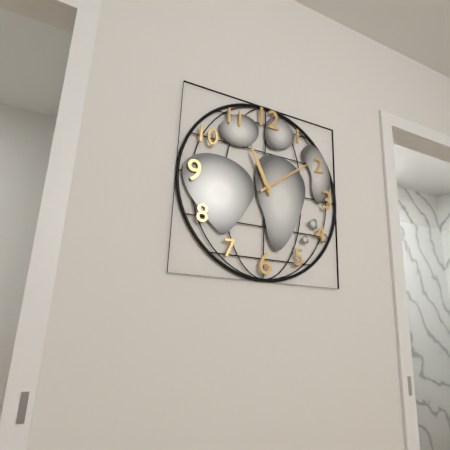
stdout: 11 h 09 min
